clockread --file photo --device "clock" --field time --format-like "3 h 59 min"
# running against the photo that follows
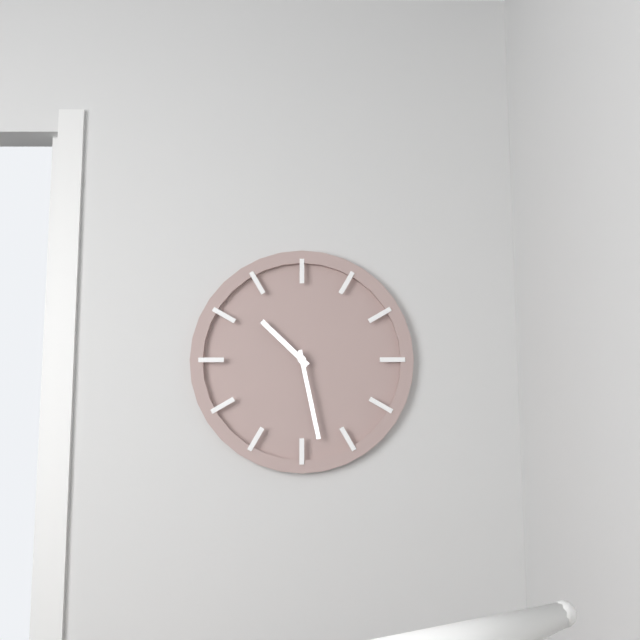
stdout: 10 h 28 min
